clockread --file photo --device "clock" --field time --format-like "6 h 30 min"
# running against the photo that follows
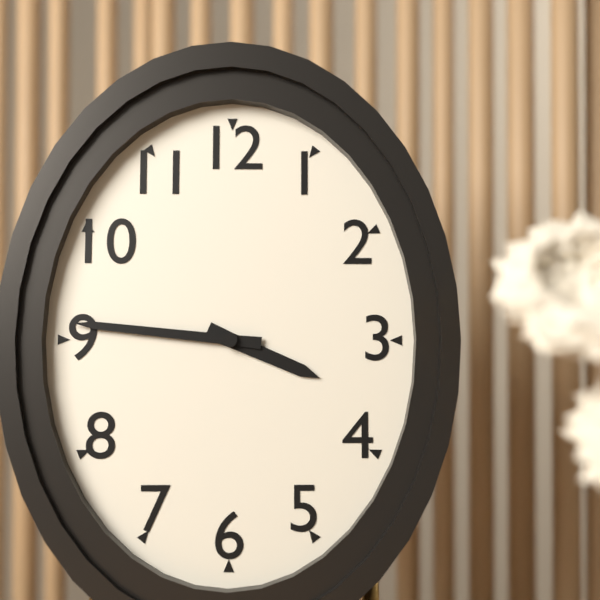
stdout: 3 h 46 min
